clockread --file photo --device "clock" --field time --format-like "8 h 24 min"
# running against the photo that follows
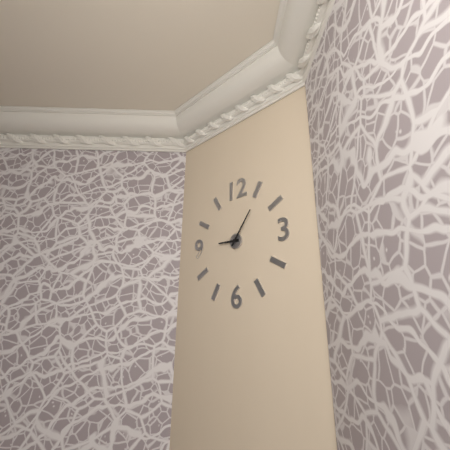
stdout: 9 h 06 min
